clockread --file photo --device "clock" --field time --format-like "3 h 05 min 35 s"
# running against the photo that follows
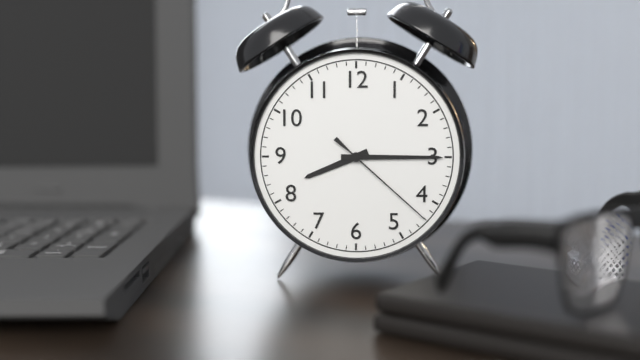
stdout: 8 h 15 min 22 s
